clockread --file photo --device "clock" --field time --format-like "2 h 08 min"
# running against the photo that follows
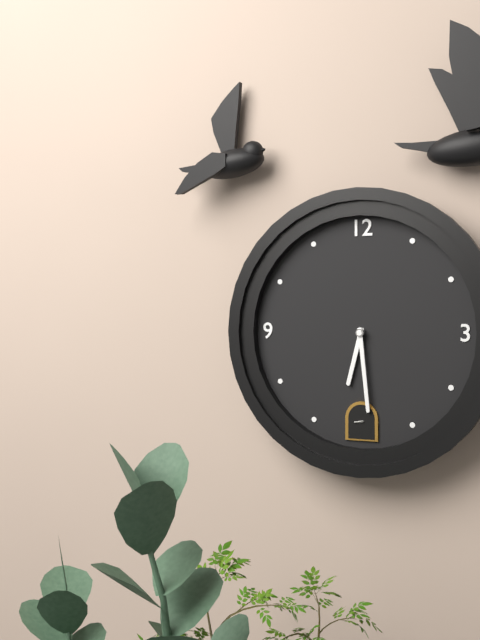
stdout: 6 h 29 min
